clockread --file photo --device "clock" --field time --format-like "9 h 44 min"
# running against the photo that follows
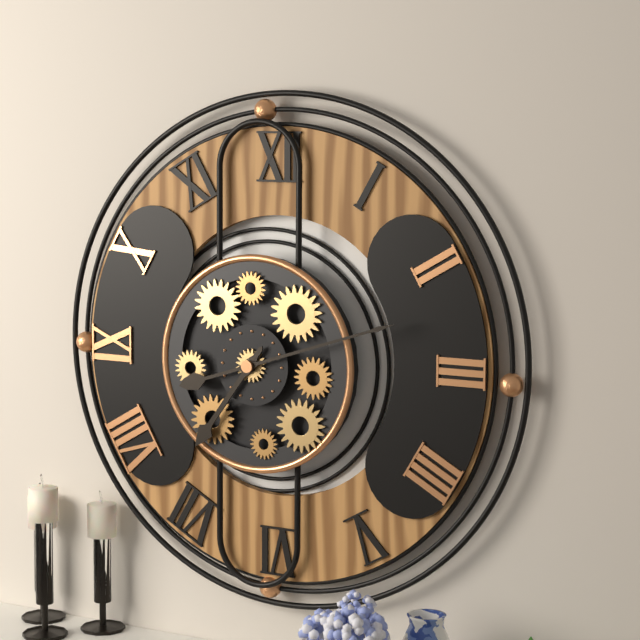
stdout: 7 h 12 min
